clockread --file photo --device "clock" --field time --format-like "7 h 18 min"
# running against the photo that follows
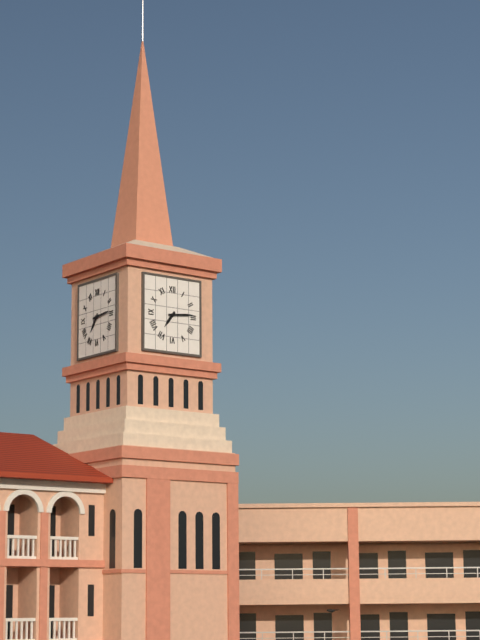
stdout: 7 h 14 min
